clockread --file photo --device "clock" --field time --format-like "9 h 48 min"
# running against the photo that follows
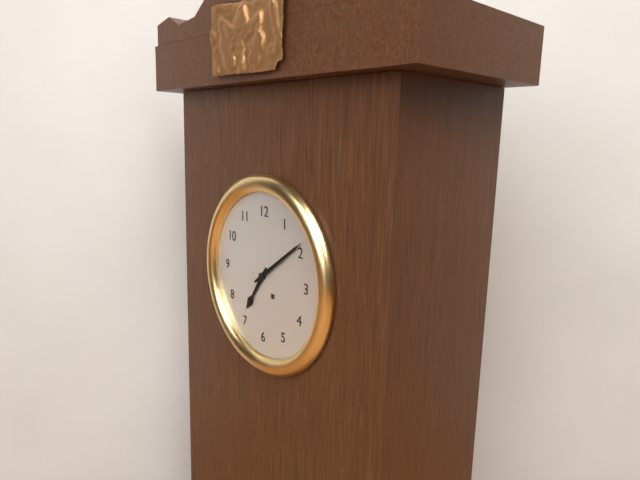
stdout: 7 h 09 min
